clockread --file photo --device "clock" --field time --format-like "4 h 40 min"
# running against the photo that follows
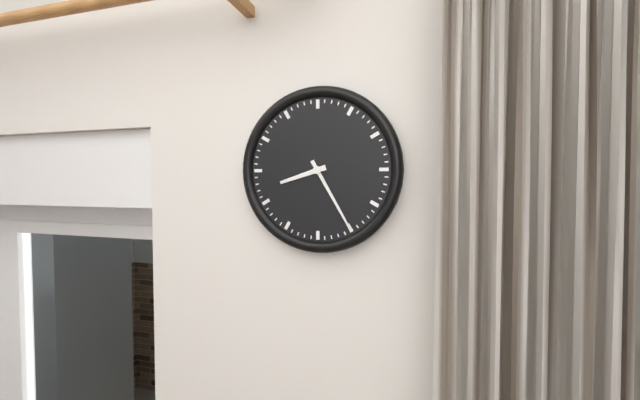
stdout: 8 h 25 min
